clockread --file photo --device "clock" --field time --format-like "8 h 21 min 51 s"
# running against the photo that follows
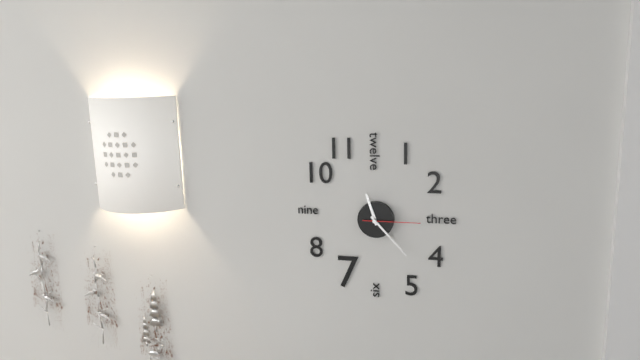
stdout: 11 h 23 min 15 s
